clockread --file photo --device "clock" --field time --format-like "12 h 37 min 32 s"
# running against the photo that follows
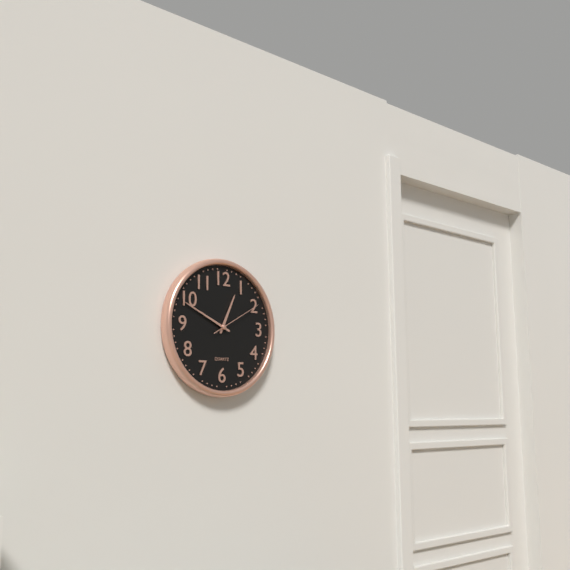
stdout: 12 h 49 min 10 s
